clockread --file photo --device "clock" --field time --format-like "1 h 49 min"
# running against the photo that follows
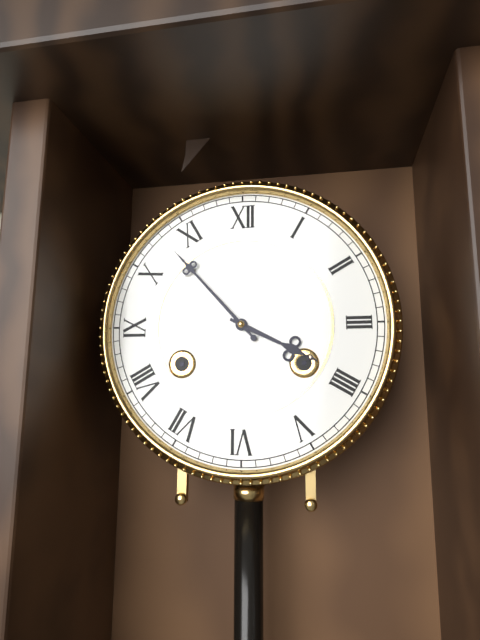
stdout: 3 h 53 min
